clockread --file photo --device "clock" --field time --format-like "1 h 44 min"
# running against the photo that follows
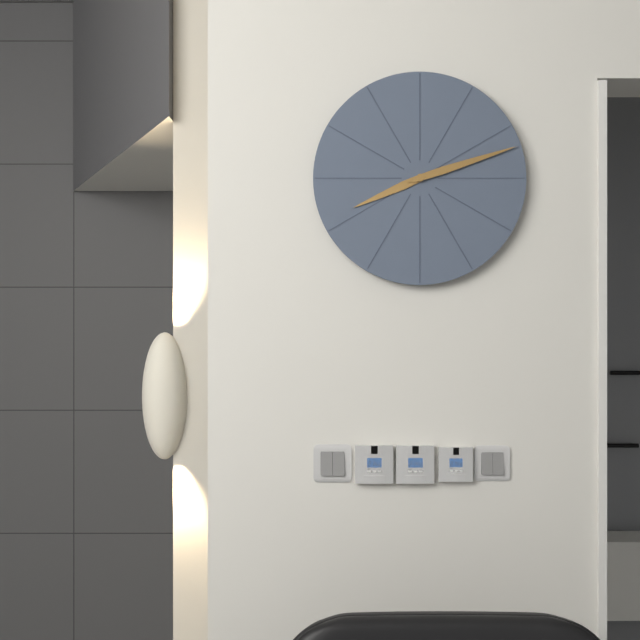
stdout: 8 h 12 min
